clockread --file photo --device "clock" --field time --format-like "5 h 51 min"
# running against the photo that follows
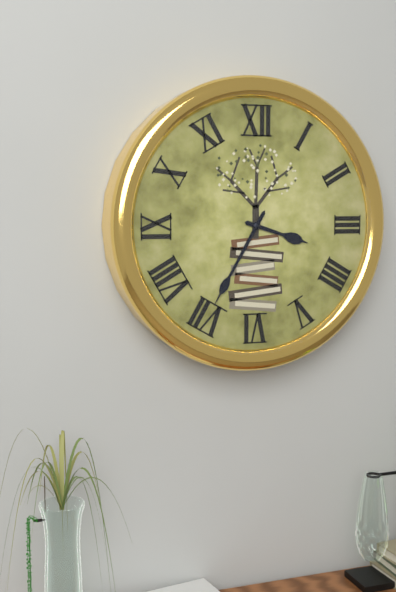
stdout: 3 h 35 min
